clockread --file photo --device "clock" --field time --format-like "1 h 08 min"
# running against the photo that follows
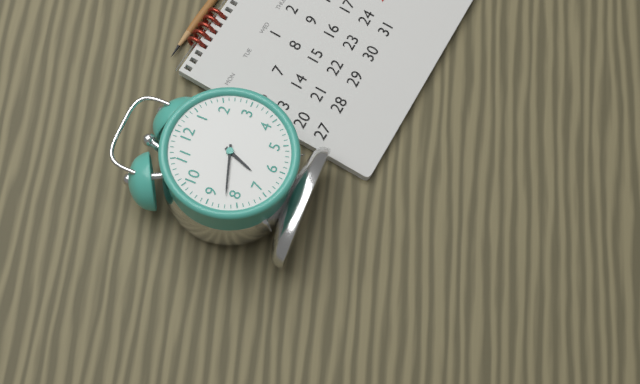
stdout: 6 h 42 min
